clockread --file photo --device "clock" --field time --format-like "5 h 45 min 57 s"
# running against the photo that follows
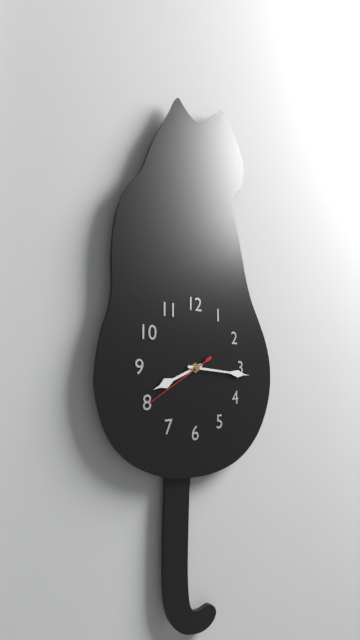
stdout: 8 h 16 min 40 s
